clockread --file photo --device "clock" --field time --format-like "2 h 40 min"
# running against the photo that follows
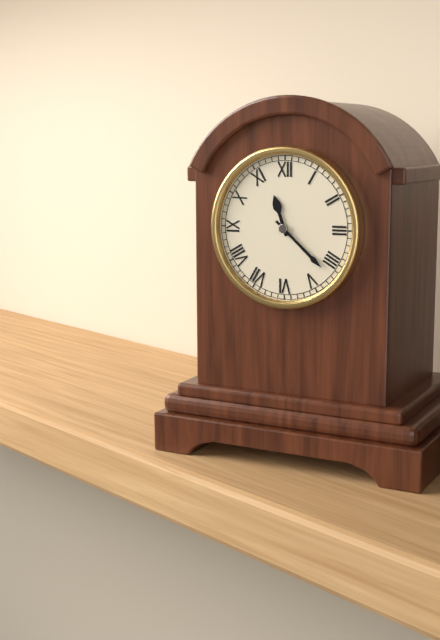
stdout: 11 h 22 min
